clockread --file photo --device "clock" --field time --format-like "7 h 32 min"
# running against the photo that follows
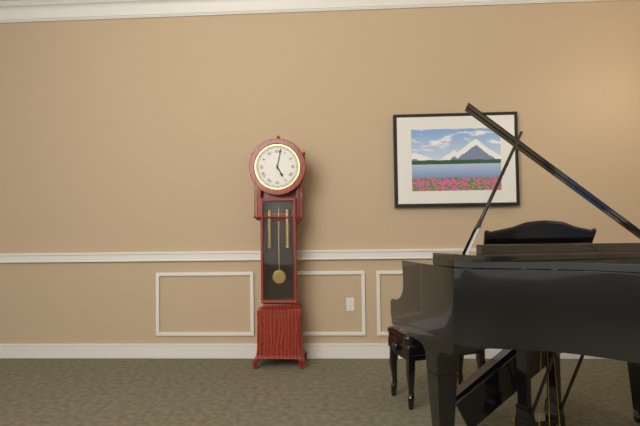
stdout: 5 h 02 min
